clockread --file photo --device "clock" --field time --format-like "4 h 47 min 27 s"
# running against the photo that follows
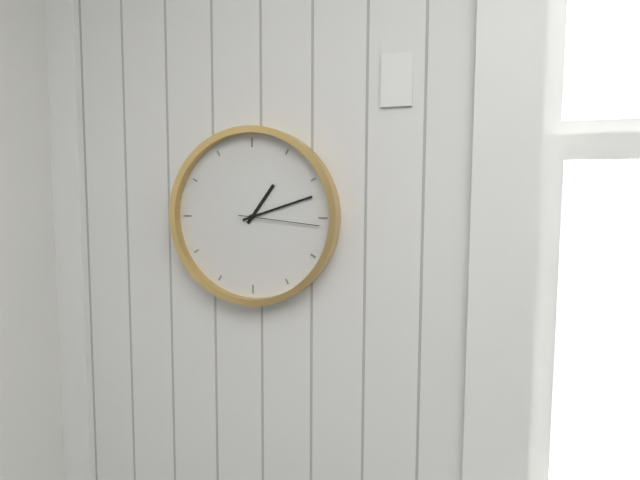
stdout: 1 h 12 min 16 s
